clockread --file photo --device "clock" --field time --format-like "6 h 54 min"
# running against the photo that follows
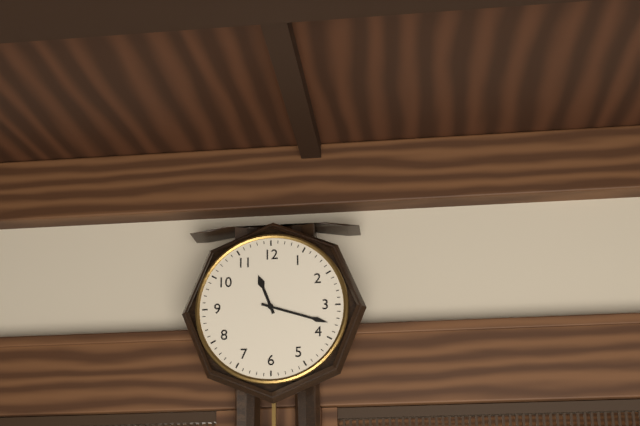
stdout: 11 h 18 min
